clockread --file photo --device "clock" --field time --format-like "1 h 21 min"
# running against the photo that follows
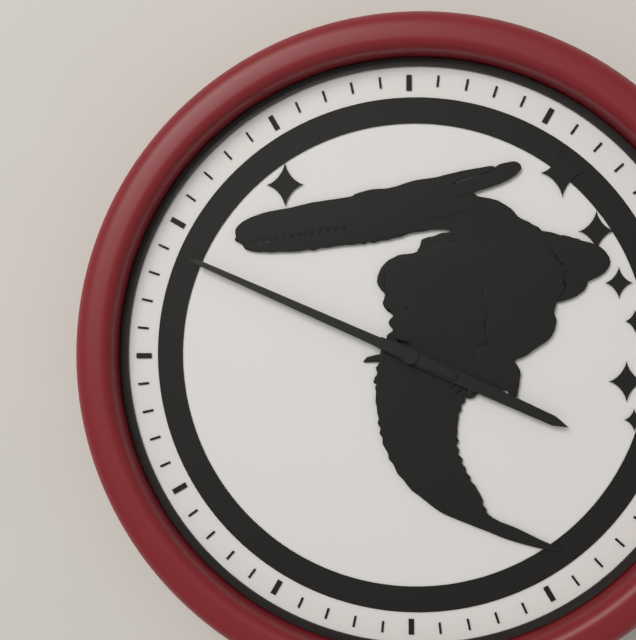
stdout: 3 h 49 min
